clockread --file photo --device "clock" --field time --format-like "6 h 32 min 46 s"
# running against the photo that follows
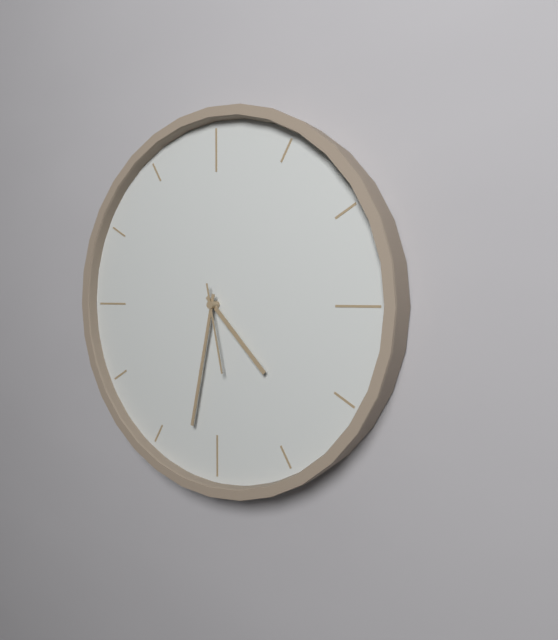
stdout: 4 h 32 min 28 s
